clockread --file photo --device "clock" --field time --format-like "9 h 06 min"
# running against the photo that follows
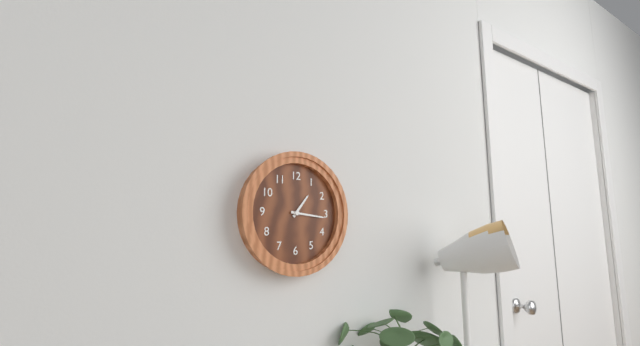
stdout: 1 h 16 min
